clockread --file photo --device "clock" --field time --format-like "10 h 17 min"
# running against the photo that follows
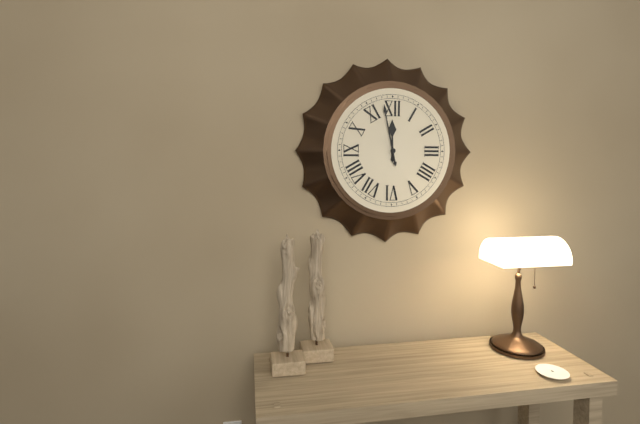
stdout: 11 h 58 min
